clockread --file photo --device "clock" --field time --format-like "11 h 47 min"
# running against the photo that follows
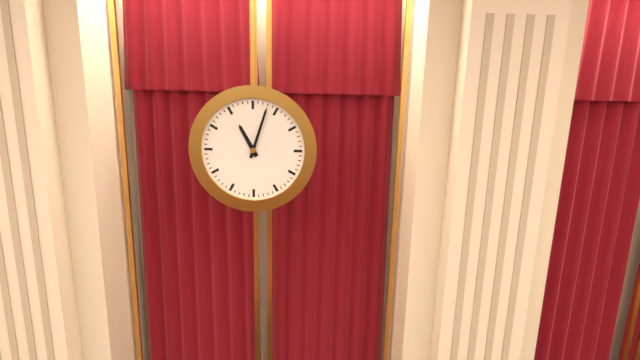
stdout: 11 h 03 min
